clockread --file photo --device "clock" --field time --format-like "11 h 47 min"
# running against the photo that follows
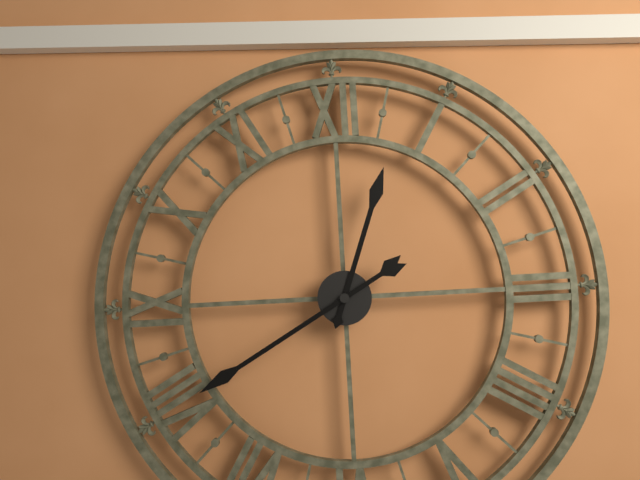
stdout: 12 h 40 min
